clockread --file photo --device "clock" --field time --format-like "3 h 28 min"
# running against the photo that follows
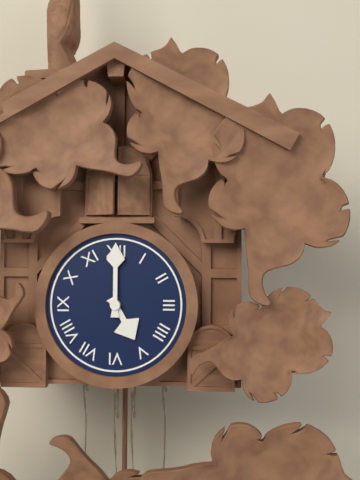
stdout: 5 h 00 min
